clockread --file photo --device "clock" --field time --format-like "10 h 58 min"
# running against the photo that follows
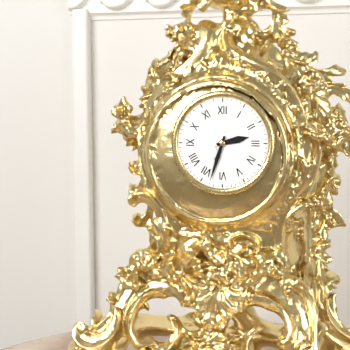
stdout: 2 h 33 min
